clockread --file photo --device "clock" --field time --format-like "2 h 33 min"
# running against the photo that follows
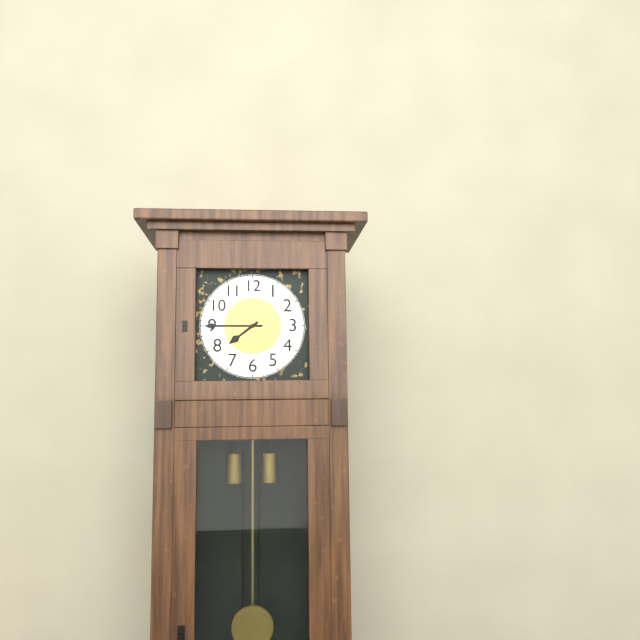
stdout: 7 h 45 min
